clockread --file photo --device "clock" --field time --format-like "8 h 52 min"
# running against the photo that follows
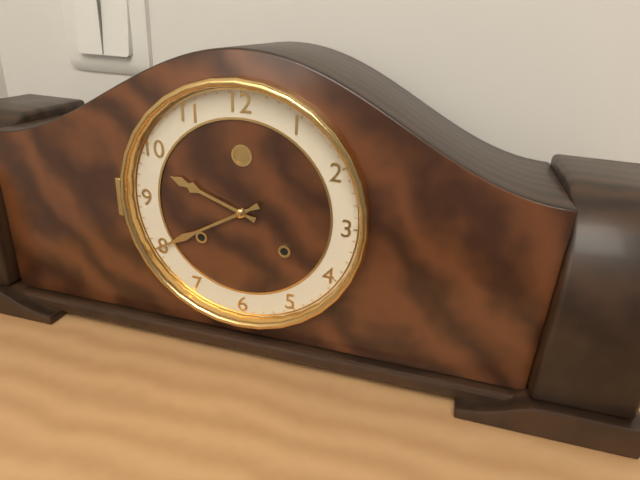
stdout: 9 h 40 min
